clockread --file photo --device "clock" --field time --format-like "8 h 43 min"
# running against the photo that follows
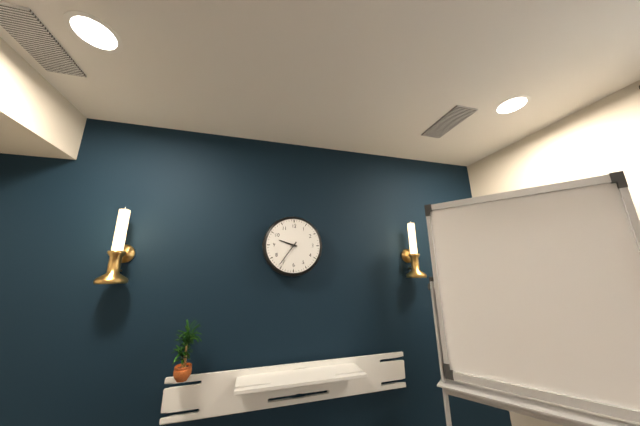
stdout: 9 h 36 min
